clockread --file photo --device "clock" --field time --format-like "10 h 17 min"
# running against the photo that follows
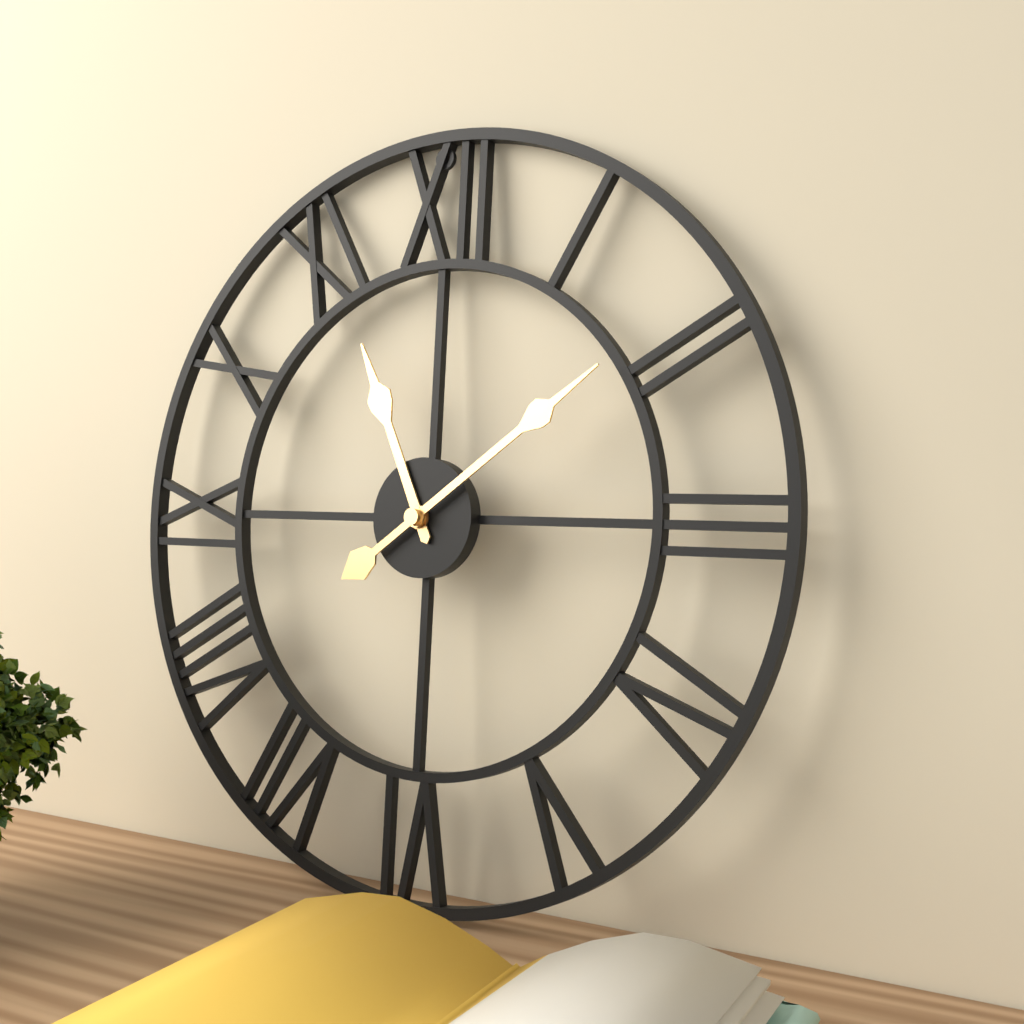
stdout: 11 h 09 min
